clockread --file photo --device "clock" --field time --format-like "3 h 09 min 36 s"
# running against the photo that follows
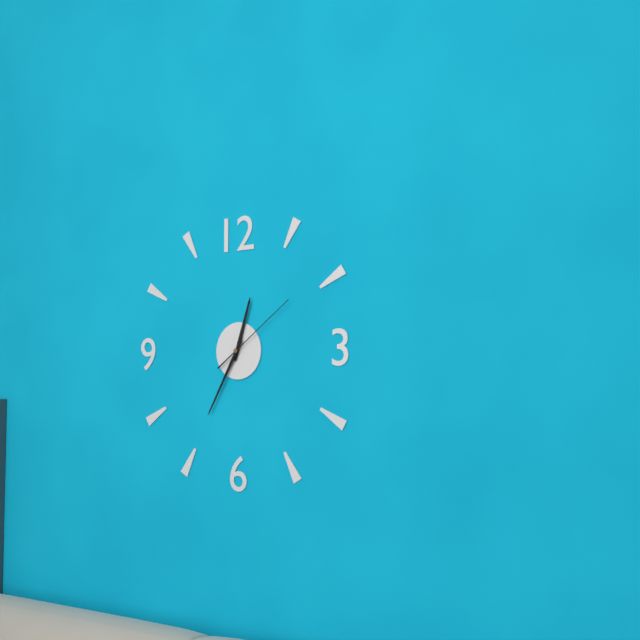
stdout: 12 h 35 min 09 s
